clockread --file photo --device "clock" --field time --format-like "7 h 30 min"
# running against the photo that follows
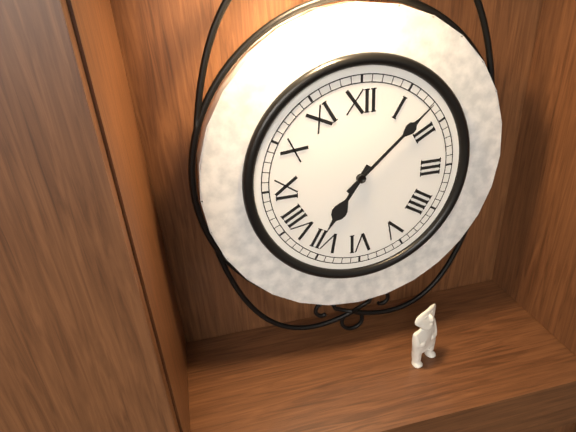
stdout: 7 h 08 min
